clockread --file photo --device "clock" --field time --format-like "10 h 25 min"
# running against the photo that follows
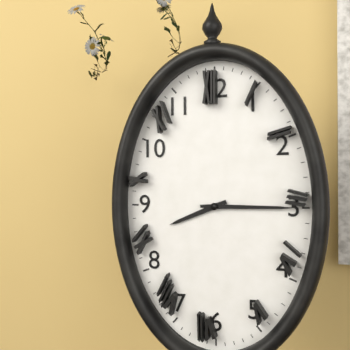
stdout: 8 h 15 min
